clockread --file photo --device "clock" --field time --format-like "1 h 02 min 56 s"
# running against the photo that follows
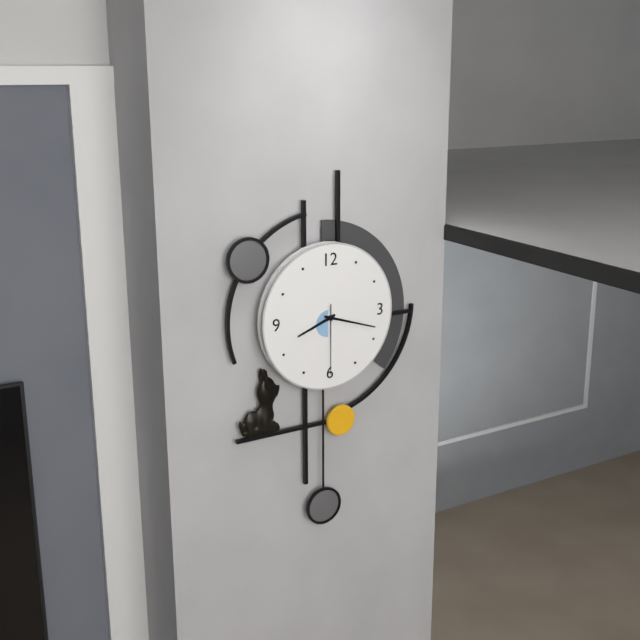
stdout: 8 h 18 min 30 s
